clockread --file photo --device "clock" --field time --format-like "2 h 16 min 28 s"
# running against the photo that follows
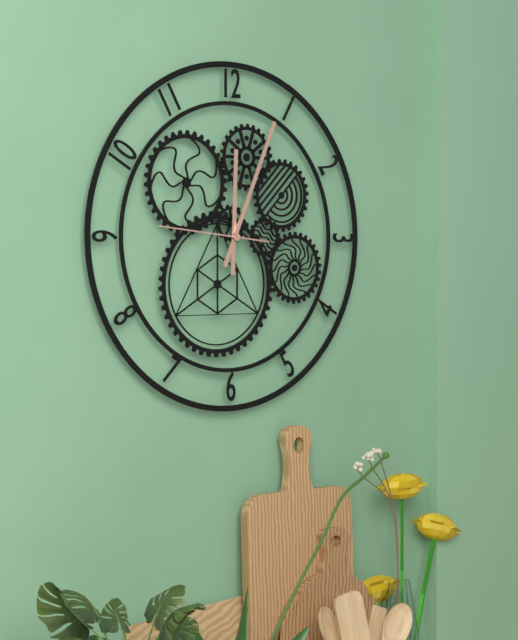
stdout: 12 h 04 min 46 s
